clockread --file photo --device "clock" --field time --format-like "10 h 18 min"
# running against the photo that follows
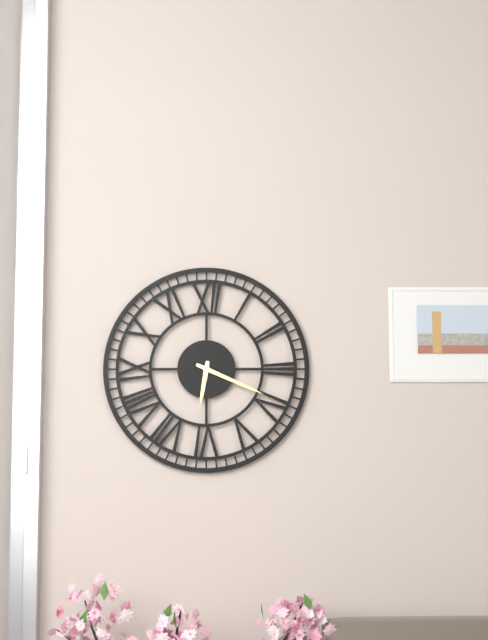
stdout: 6 h 19 min
